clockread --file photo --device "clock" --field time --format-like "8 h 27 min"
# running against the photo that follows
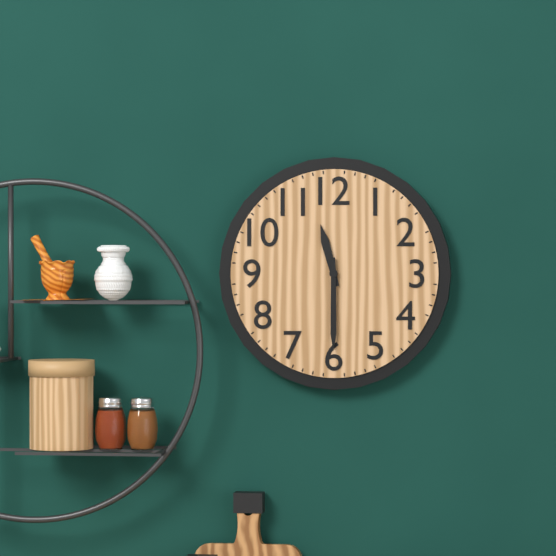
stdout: 11 h 30 min
